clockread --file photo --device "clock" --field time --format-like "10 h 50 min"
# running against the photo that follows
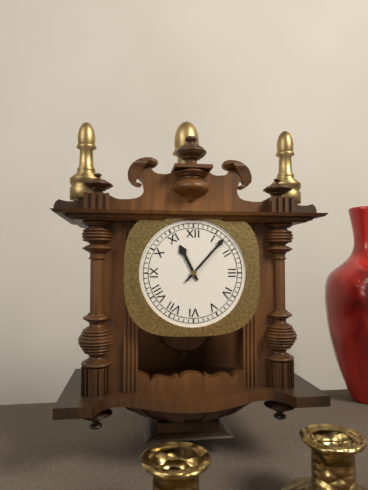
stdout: 11 h 07 min
